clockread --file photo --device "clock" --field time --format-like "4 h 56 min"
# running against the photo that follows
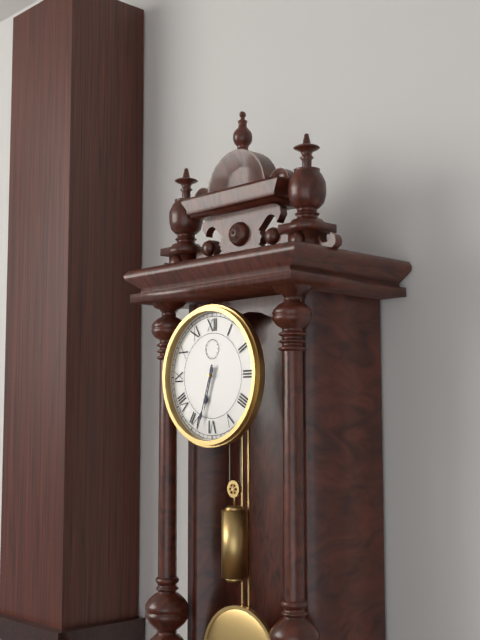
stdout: 6 h 33 min
